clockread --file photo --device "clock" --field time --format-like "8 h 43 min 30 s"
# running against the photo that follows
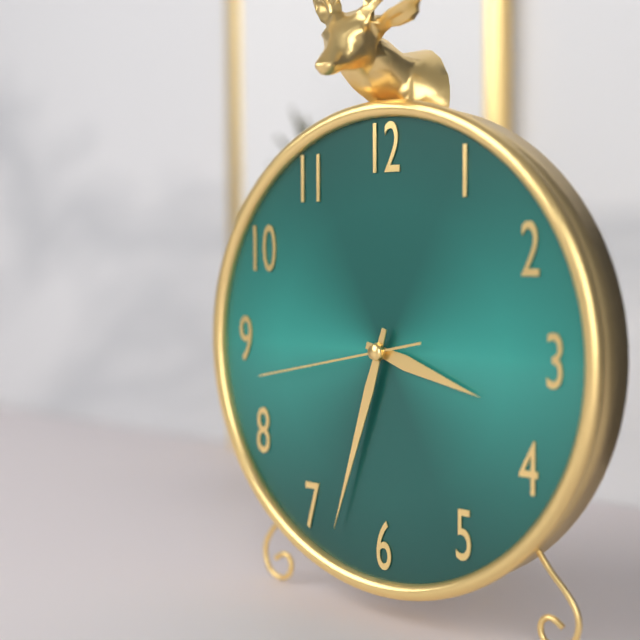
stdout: 3 h 33 min 43 s
